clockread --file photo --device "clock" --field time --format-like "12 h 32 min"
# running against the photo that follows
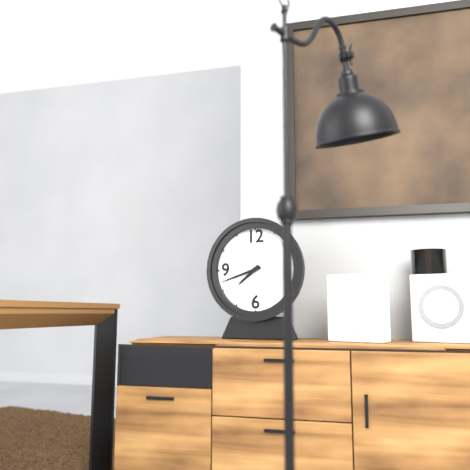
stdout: 7 h 42 min
